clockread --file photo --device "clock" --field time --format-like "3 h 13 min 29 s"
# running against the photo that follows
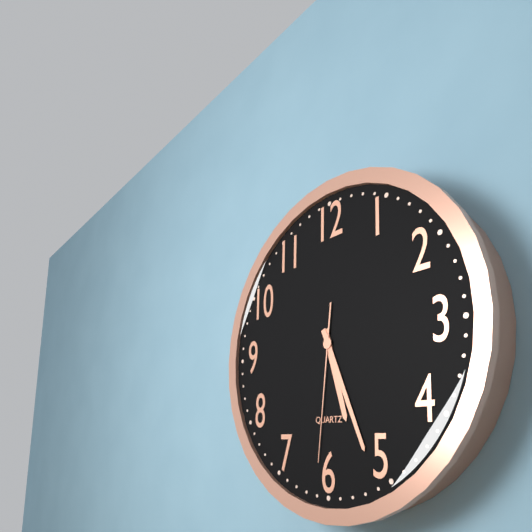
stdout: 5 h 26 min 31 s
